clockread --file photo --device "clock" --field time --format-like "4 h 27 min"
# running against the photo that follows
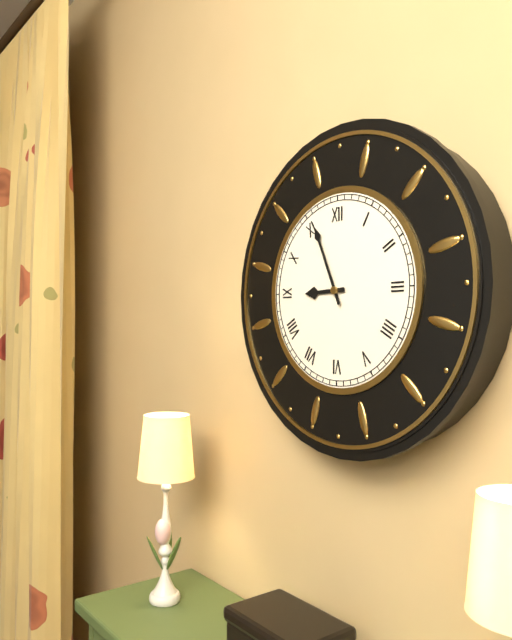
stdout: 8 h 56 min
